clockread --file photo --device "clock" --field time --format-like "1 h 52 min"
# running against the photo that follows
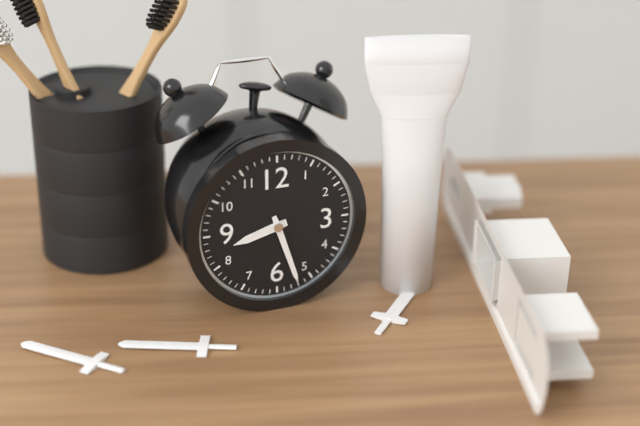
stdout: 8 h 27 min
